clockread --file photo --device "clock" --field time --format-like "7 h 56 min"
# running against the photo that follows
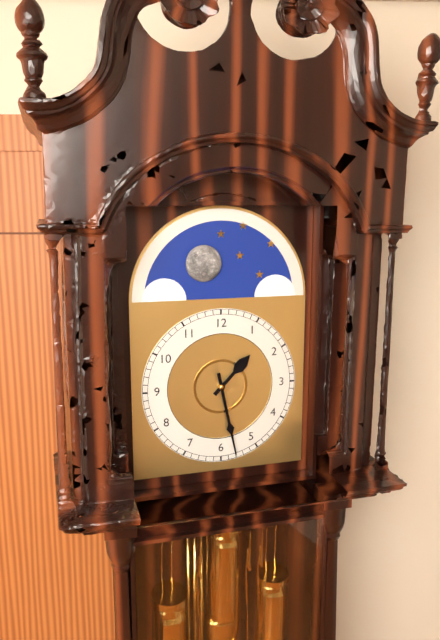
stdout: 1 h 28 min
